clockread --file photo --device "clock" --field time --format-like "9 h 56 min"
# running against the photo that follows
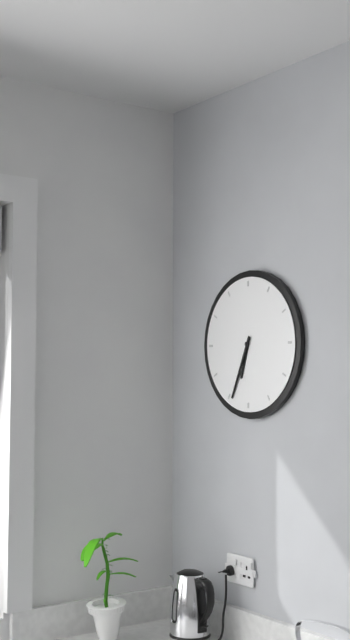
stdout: 6 h 34 min
